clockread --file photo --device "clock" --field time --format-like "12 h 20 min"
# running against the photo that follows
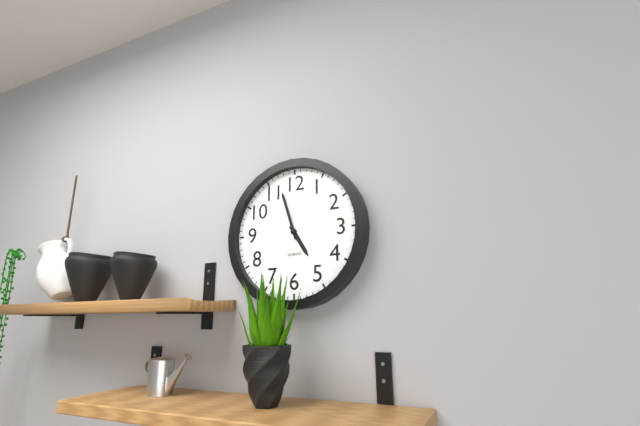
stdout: 4 h 57 min
